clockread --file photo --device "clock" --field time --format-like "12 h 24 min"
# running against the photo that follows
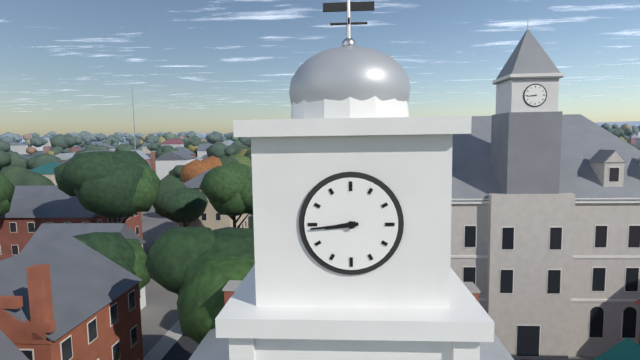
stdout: 8 h 44 min
